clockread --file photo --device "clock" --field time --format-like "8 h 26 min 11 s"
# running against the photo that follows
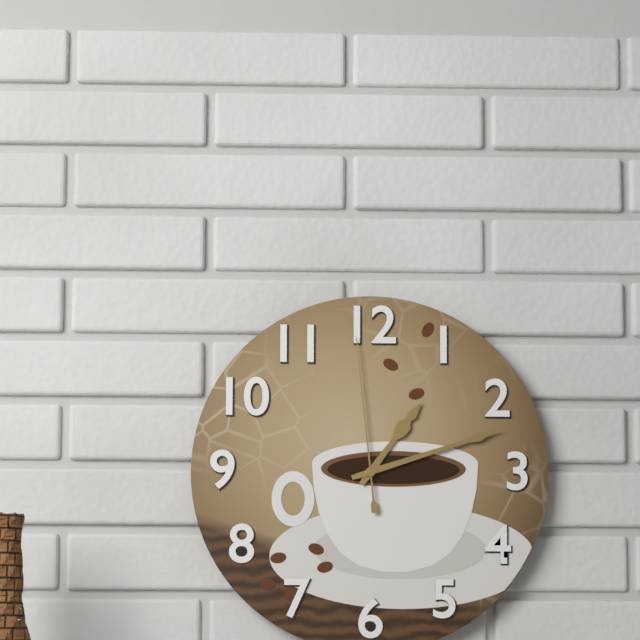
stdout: 1 h 12 min 59 s
